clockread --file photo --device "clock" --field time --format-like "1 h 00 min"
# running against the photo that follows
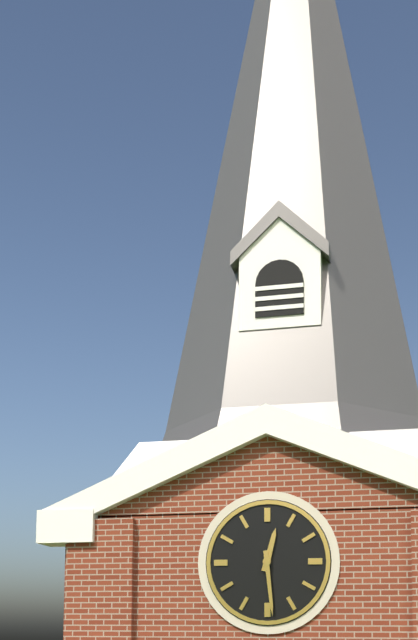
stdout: 12 h 29 min
